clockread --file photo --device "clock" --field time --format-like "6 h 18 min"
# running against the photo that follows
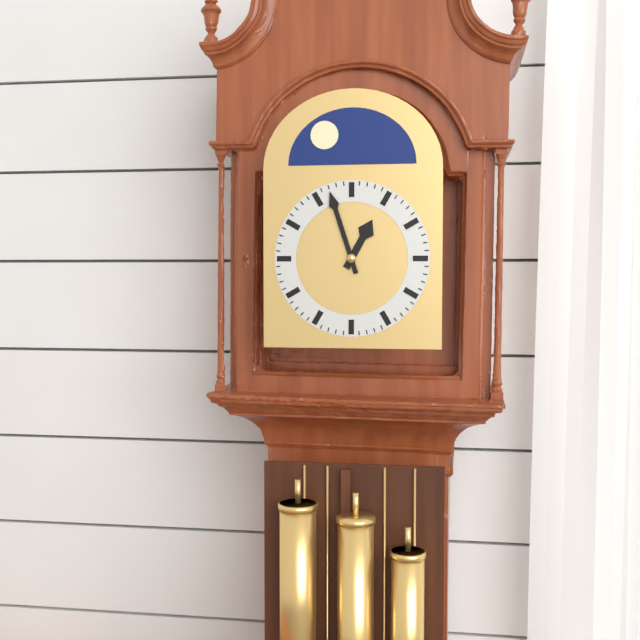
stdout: 12 h 57 min
